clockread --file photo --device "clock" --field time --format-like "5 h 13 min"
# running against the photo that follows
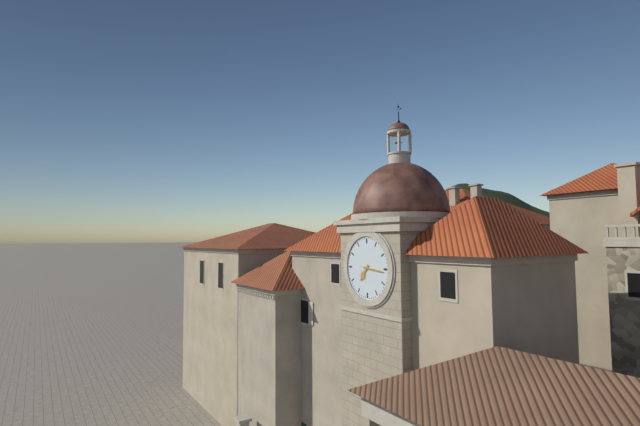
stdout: 7 h 16 min
